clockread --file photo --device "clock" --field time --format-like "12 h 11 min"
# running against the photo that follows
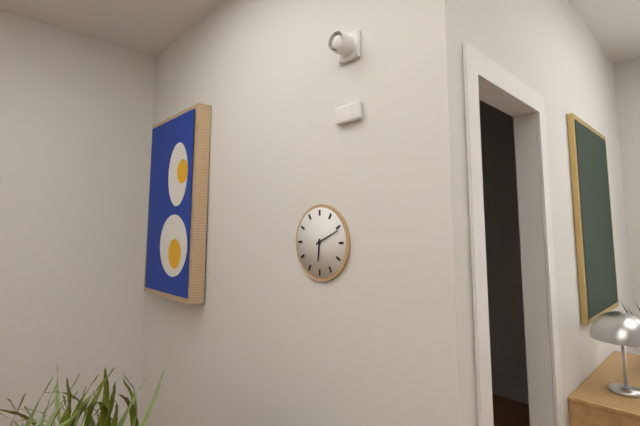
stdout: 6 h 11 min
